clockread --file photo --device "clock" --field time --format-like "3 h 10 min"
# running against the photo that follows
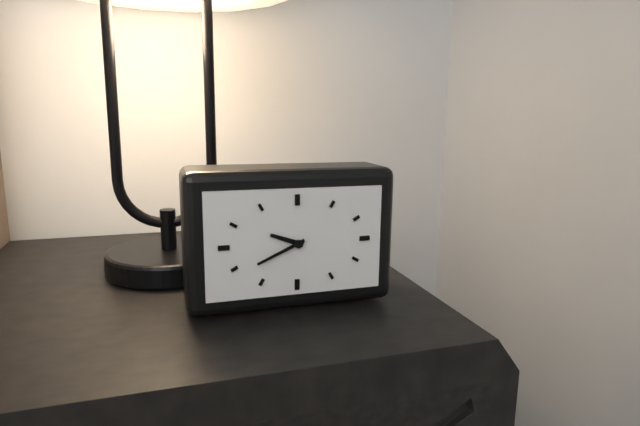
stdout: 9 h 41 min
